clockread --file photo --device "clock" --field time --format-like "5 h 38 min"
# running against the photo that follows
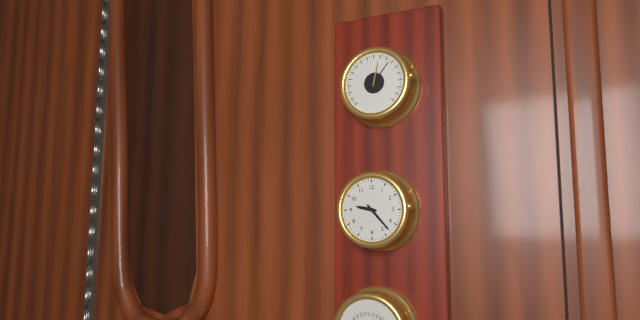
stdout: 9 h 23 min
